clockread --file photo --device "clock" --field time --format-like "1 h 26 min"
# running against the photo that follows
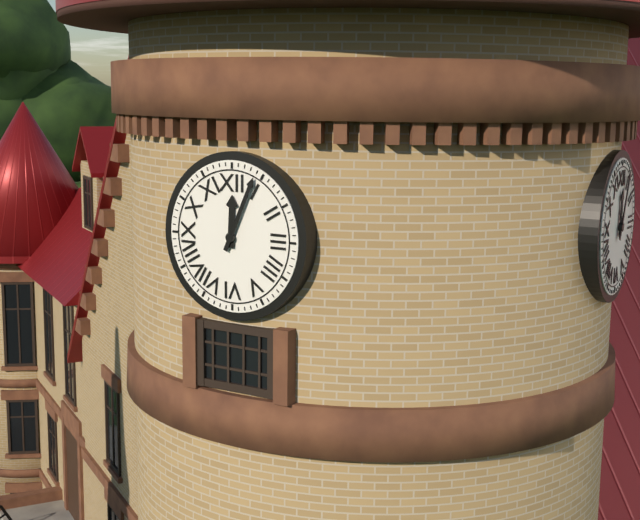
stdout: 12 h 04 min
